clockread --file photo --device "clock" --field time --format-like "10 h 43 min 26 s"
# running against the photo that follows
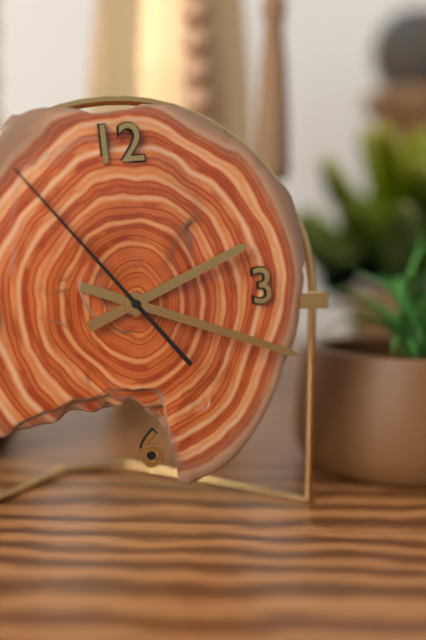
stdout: 2 h 19 min 54 s
